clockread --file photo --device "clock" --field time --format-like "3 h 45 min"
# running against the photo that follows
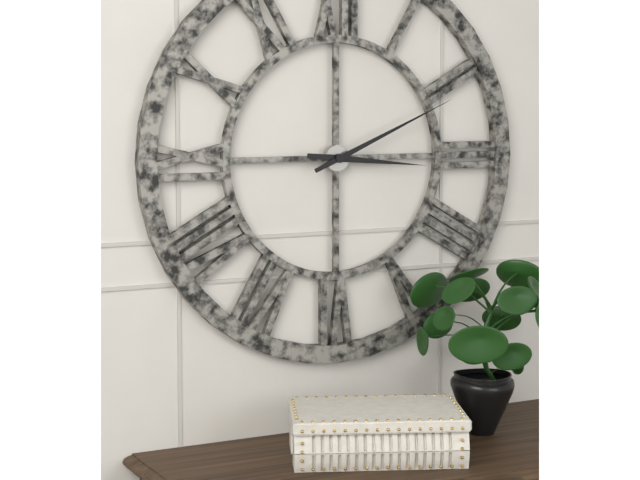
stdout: 3 h 11 min
